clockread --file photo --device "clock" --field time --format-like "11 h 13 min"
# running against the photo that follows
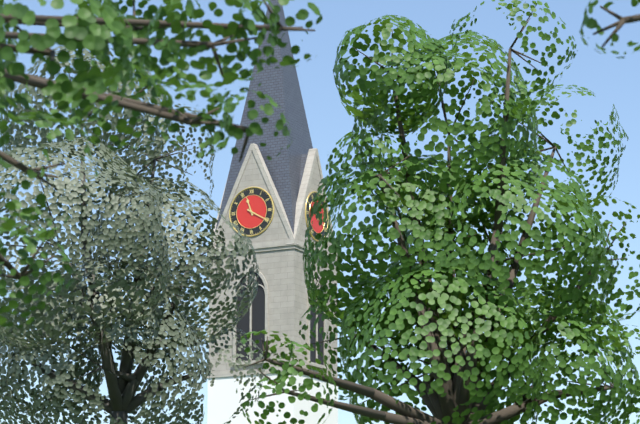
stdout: 11 h 20 min
